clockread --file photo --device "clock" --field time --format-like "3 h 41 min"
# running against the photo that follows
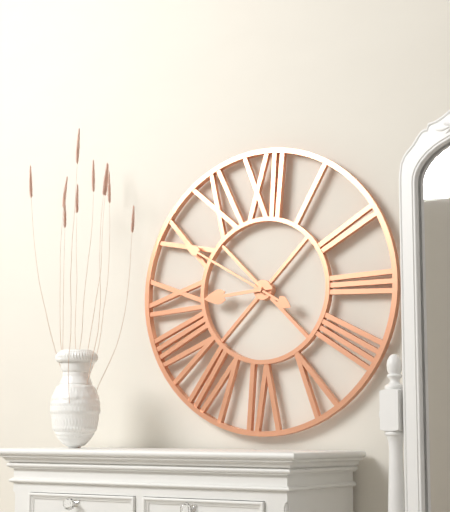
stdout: 8 h 50 min
